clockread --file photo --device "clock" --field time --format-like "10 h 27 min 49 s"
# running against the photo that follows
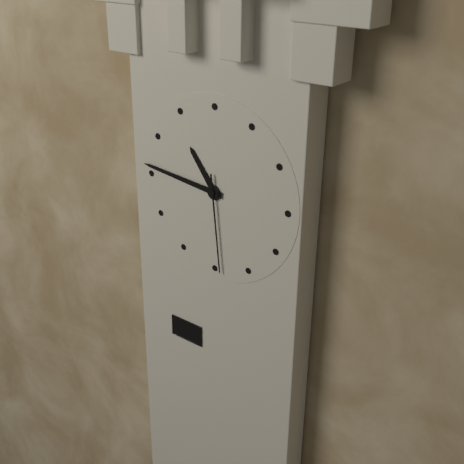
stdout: 10 h 46 min 29 s
